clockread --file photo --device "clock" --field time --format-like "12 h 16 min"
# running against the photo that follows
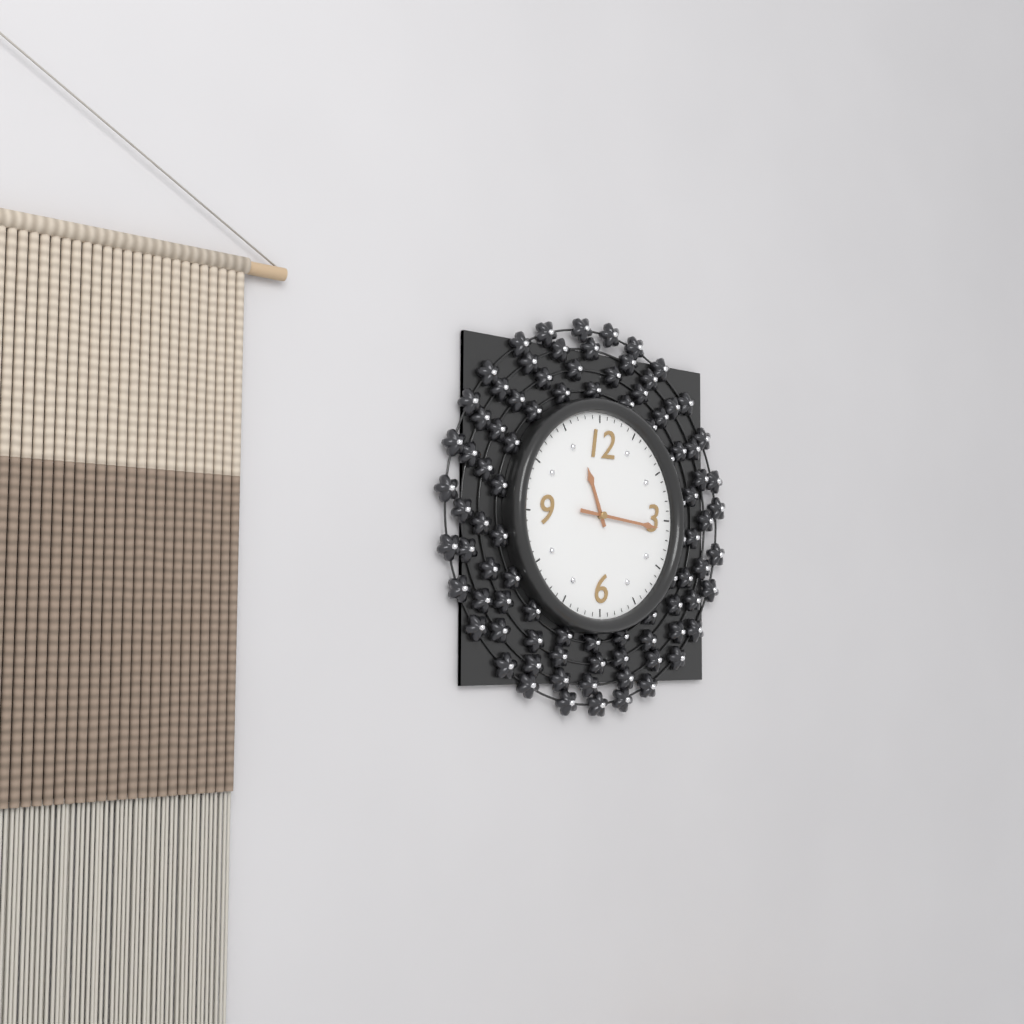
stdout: 11 h 16 min
